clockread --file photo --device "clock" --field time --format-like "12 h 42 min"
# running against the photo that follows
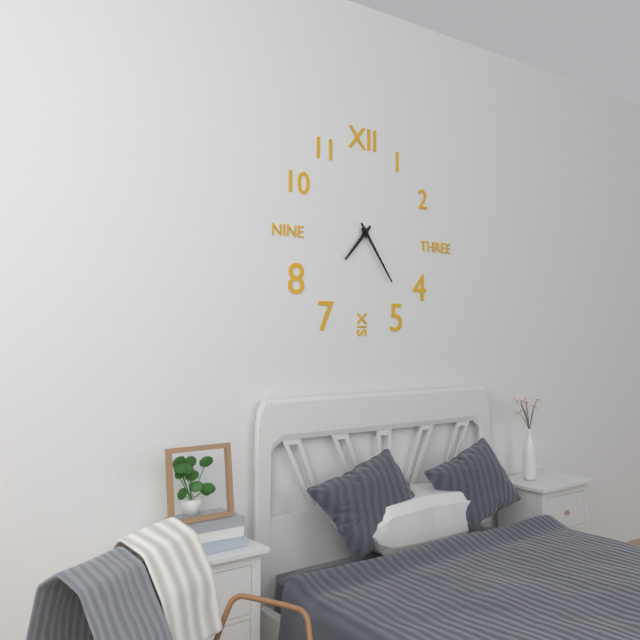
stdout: 7 h 24 min
